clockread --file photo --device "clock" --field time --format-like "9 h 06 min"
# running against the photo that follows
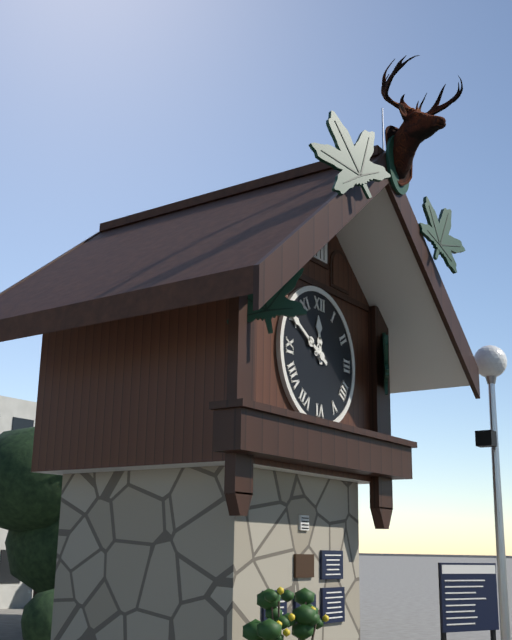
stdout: 11 h 50 min
